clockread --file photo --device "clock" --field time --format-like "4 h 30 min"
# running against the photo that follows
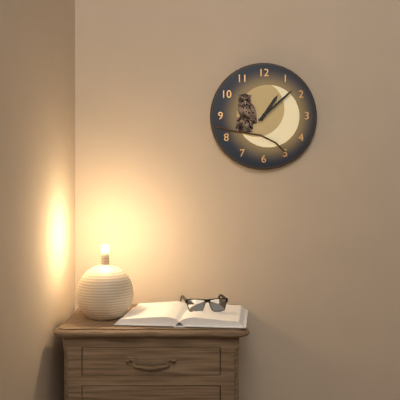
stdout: 1 h 08 min
